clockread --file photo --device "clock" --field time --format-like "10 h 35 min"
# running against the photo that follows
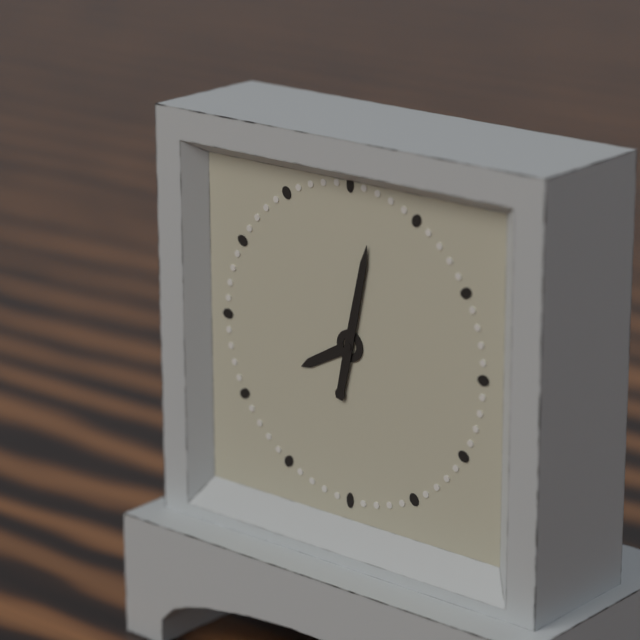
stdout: 8 h 02 min
